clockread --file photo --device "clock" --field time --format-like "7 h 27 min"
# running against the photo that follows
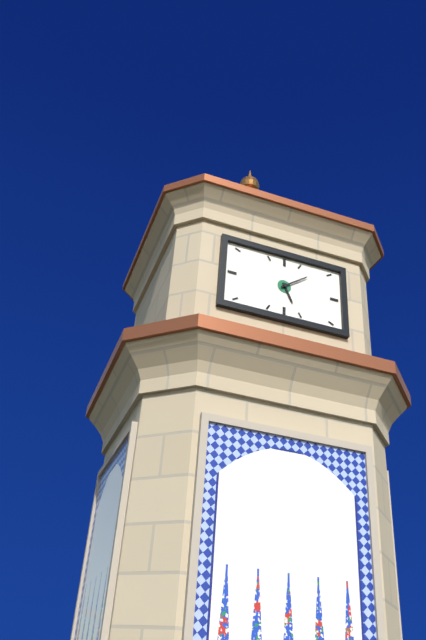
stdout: 5 h 09 min
